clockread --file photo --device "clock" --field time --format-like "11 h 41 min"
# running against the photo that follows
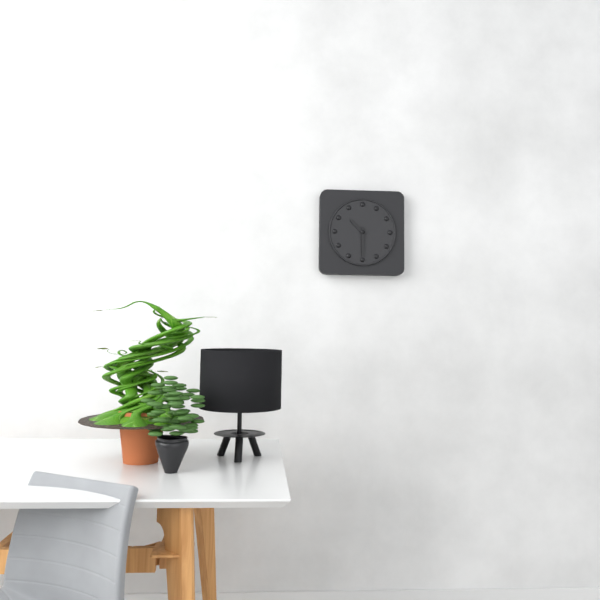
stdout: 10 h 30 min
